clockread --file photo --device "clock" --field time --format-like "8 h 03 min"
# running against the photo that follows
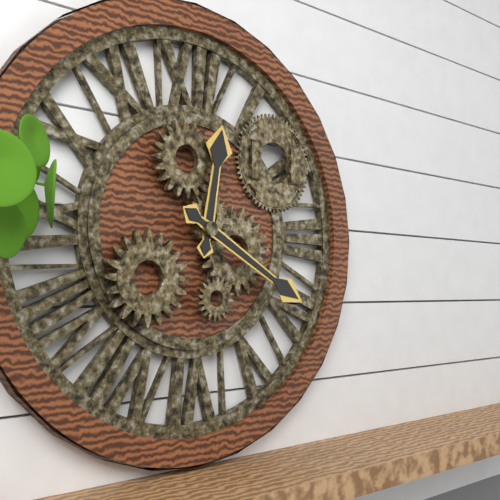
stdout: 12 h 20 min
